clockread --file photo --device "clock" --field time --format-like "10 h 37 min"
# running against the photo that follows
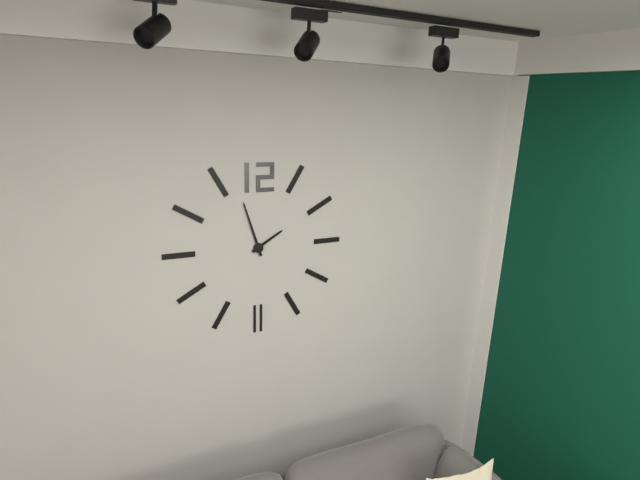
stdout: 1 h 57 min
